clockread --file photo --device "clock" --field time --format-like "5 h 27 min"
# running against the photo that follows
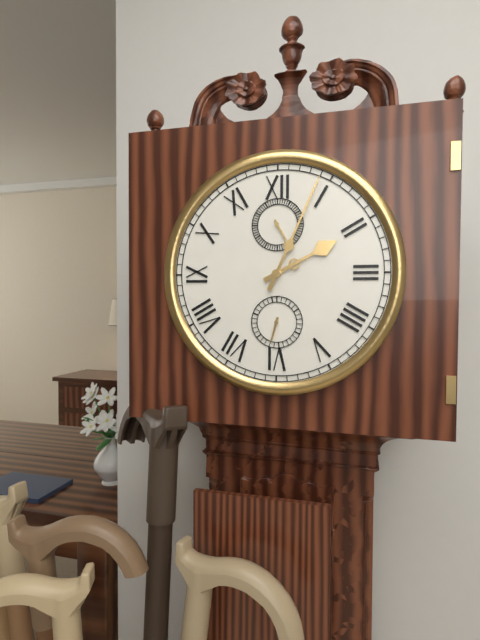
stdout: 2 h 04 min
